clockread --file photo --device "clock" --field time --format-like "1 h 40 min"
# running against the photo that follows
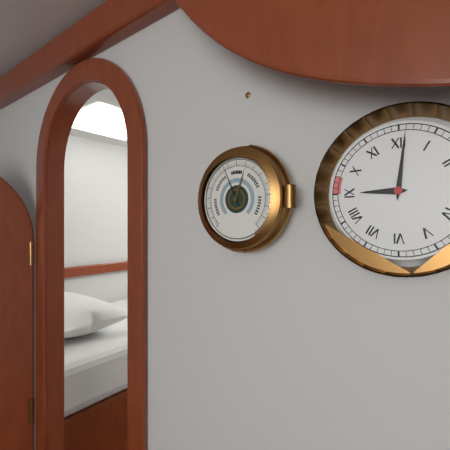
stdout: 9 h 01 min
